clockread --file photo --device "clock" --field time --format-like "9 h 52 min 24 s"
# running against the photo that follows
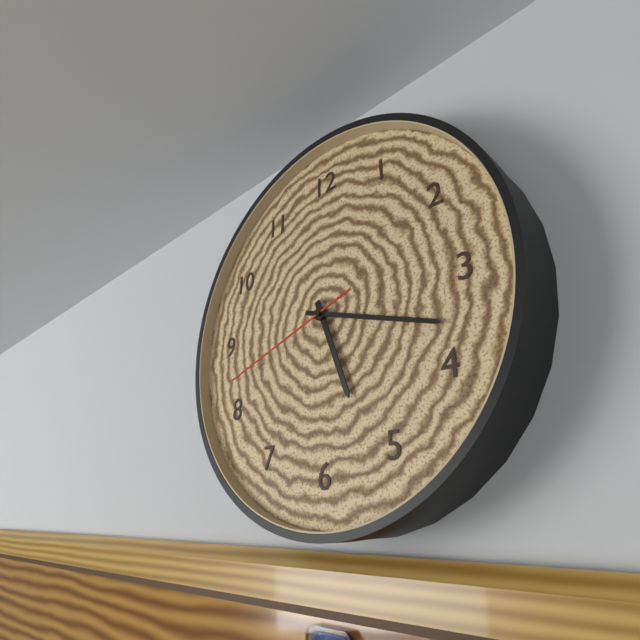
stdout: 5 h 18 min 42 s
